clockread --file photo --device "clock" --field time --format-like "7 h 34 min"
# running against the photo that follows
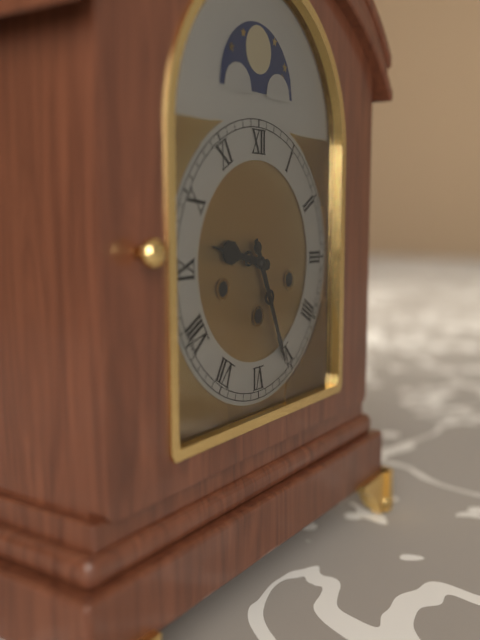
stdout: 9 h 26 min
